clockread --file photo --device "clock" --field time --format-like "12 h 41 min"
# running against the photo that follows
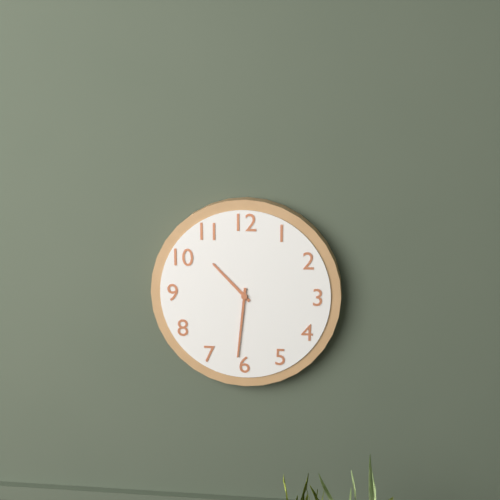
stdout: 10 h 31 min
